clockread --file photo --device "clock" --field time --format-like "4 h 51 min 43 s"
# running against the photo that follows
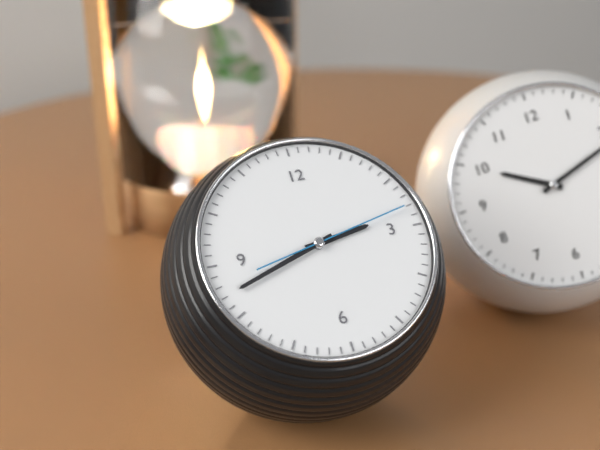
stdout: 2 h 42 min 13 s
